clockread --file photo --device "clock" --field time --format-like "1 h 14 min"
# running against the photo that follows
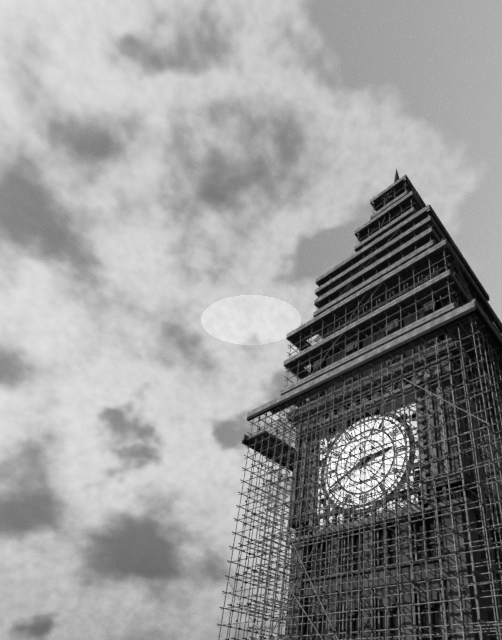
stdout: 2 h 41 min
